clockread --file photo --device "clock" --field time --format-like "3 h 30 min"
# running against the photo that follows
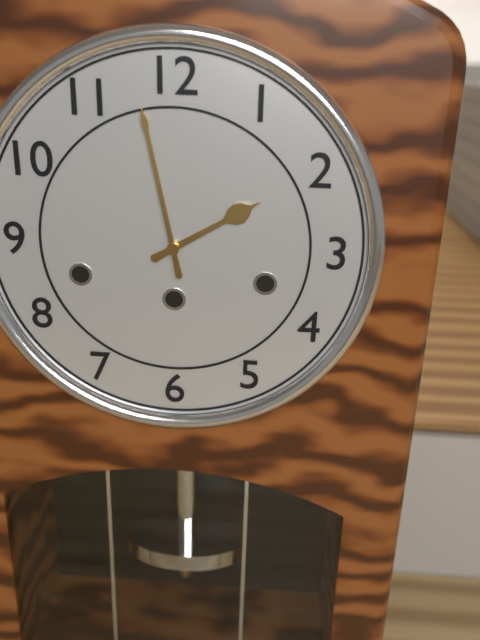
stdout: 1 h 58 min
